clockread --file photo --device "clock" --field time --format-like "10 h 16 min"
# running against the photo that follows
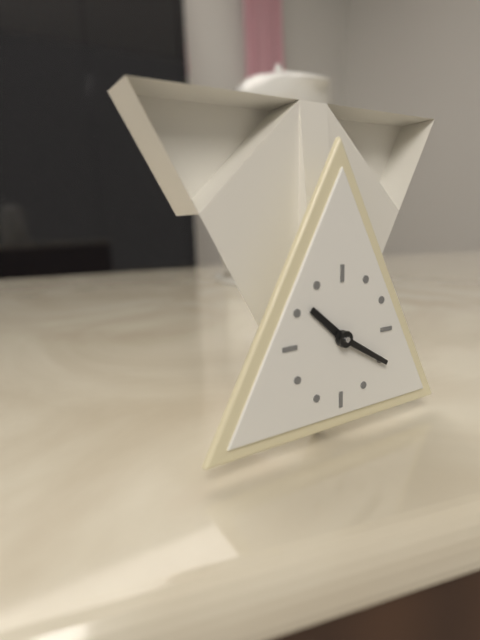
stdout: 10 h 20 min
